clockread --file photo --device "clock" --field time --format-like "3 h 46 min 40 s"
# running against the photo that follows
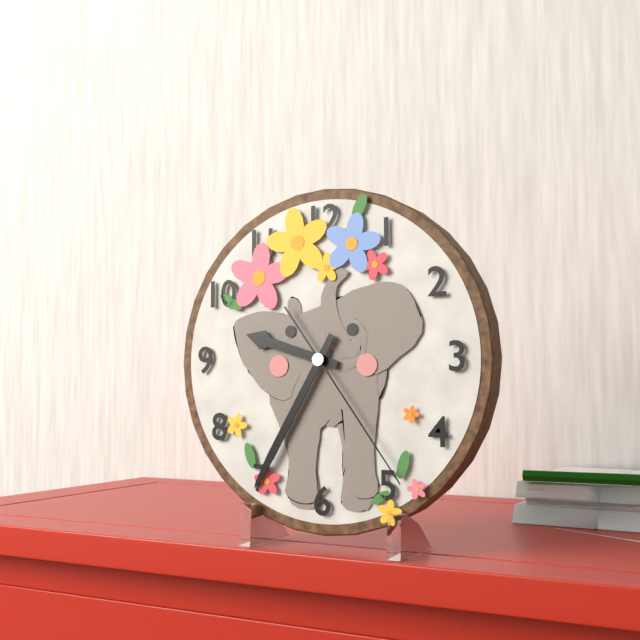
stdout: 9 h 35 min 24 s
